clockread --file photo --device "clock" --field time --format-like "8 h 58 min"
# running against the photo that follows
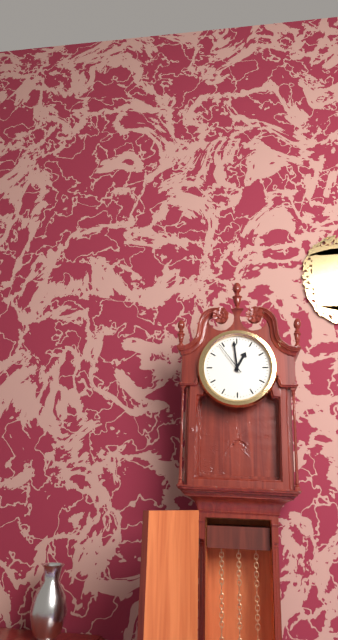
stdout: 12 h 59 min
